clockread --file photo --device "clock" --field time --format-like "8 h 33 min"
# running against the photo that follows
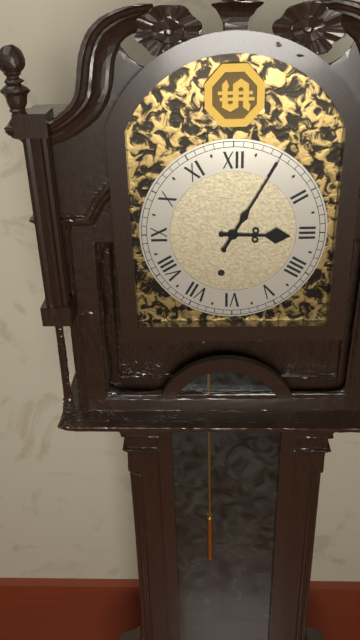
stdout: 3 h 05 min
